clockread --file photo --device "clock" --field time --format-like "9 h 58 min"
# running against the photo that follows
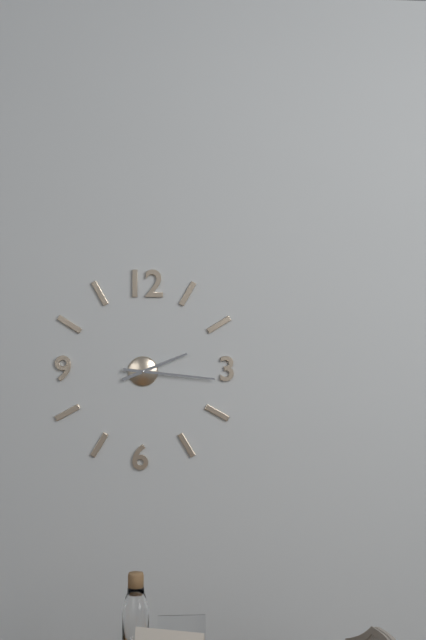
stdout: 2 h 16 min
